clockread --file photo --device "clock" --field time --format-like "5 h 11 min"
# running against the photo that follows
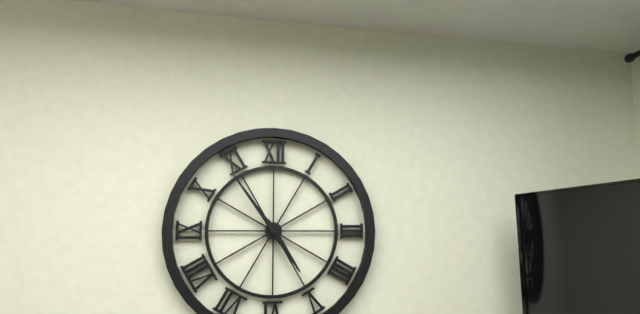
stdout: 4 h 54 min
